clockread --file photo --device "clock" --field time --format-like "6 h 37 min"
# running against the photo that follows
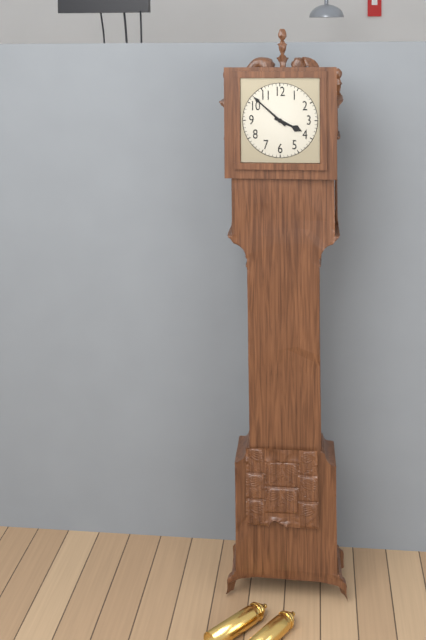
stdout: 3 h 52 min
